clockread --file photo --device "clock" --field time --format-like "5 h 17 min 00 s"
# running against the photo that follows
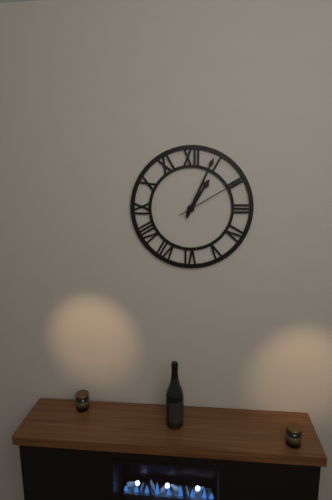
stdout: 1 h 04 min 10 s
